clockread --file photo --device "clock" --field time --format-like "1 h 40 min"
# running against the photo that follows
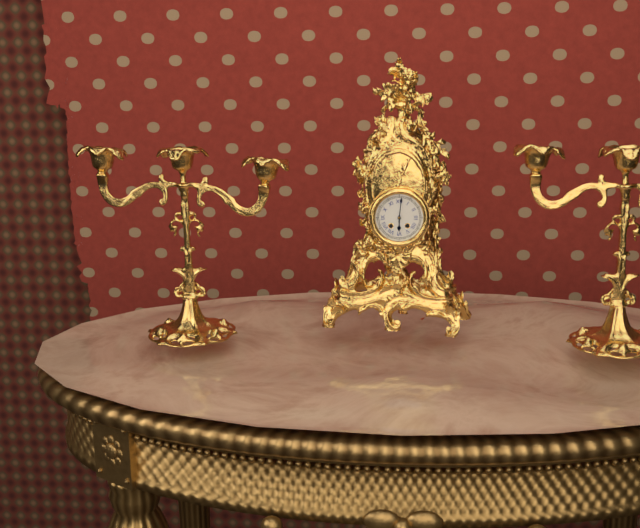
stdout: 6 h 01 min
